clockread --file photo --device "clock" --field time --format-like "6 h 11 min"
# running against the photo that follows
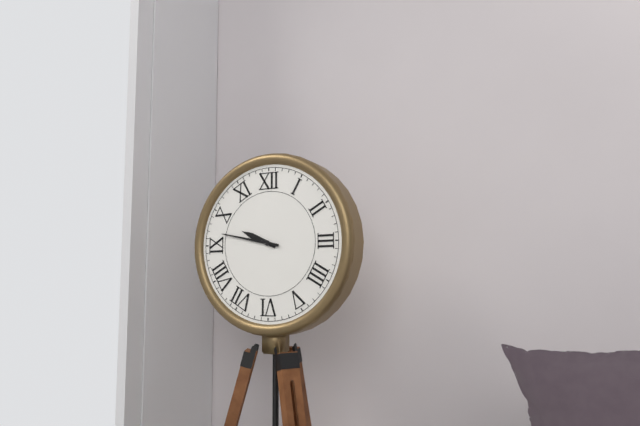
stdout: 9 h 47 min
